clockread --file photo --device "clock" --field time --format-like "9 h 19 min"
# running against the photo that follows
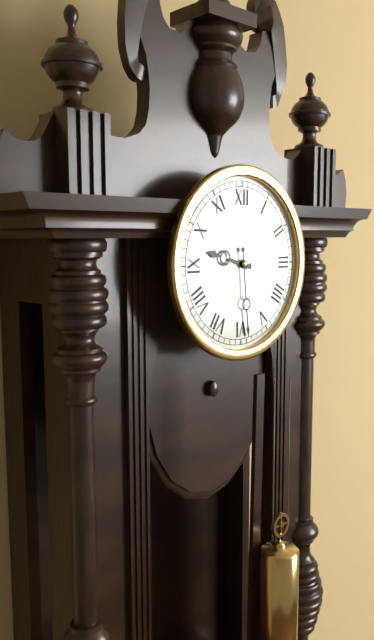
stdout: 9 h 29 min
